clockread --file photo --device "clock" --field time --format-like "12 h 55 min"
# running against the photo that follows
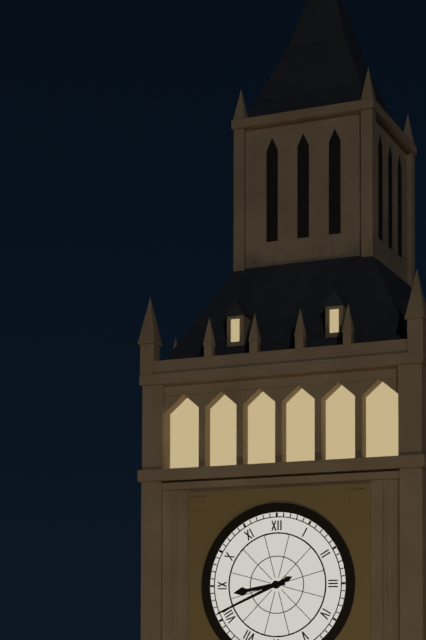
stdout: 8 h 41 min
